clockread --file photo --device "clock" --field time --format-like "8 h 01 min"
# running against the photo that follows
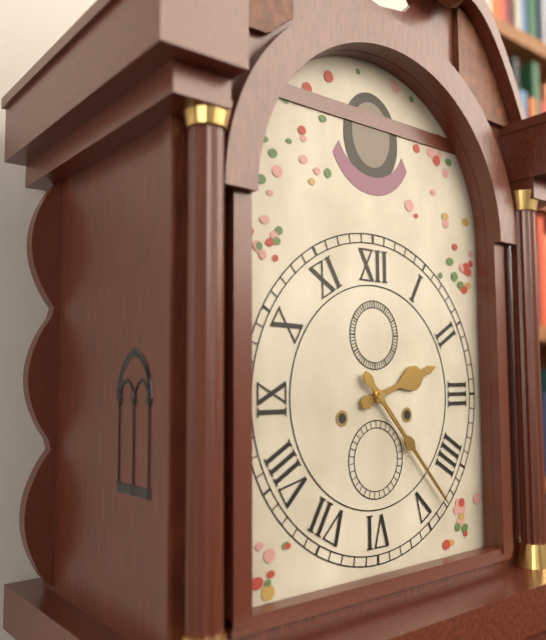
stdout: 2 h 23 min
